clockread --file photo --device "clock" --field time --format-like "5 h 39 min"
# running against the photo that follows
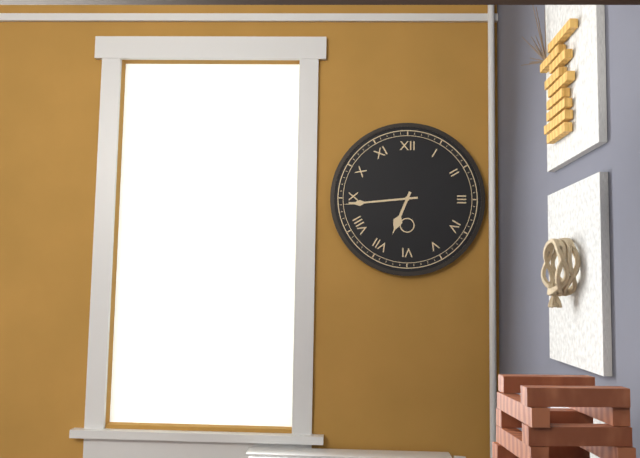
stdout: 6 h 44 min
